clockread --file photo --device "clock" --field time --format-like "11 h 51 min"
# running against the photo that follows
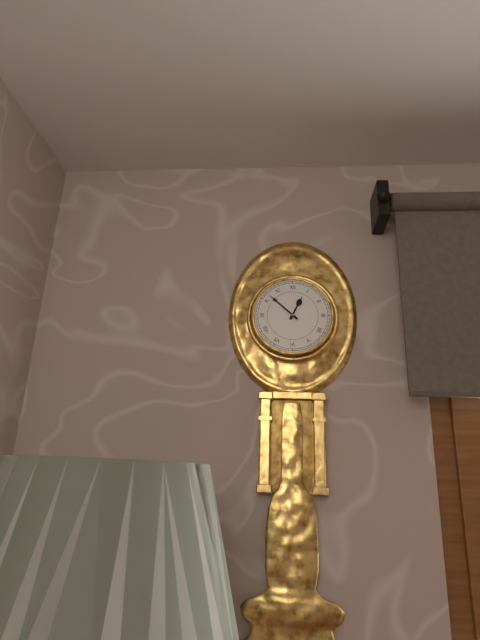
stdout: 12 h 52 min
